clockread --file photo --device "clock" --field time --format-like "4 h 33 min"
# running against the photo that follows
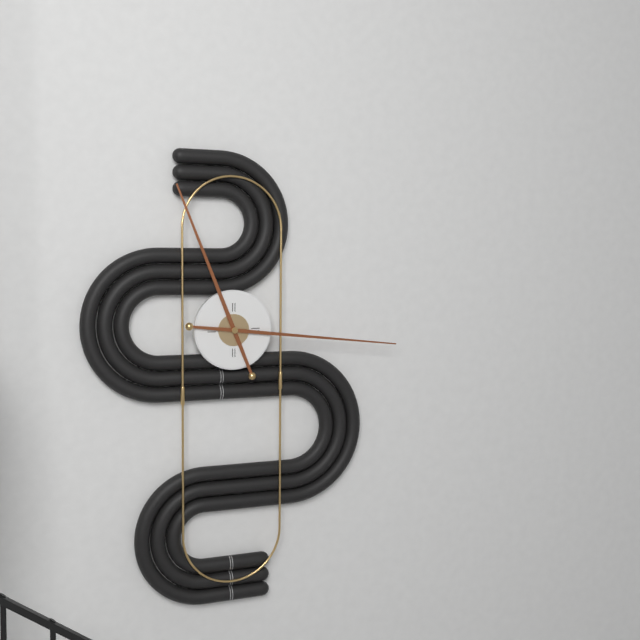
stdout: 11 h 16 min
